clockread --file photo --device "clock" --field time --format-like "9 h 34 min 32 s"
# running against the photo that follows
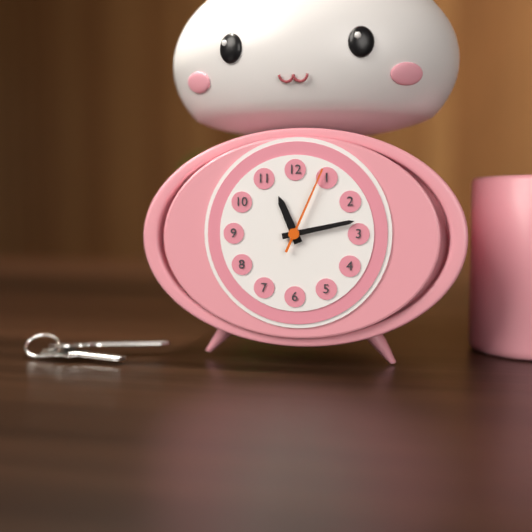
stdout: 11 h 13 min 04 s
